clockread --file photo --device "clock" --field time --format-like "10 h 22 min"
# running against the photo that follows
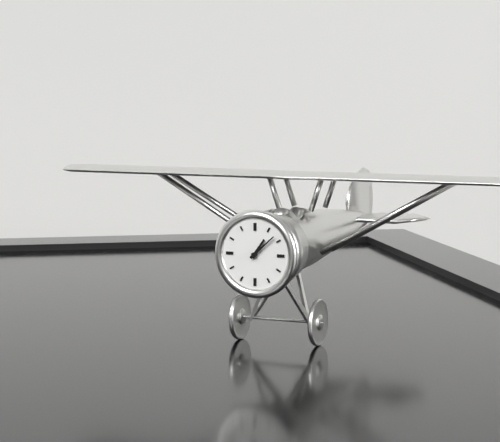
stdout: 1 h 08 min
